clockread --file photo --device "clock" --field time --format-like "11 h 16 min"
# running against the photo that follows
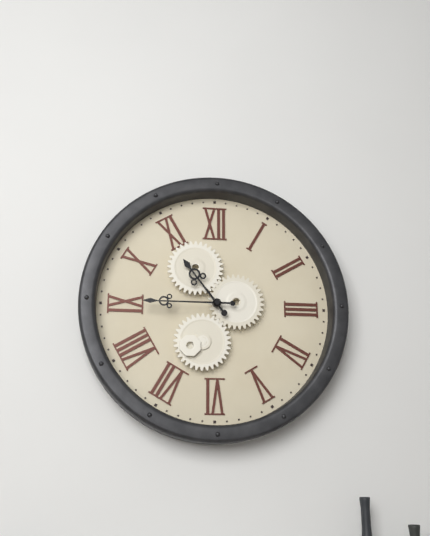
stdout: 10 h 45 min
